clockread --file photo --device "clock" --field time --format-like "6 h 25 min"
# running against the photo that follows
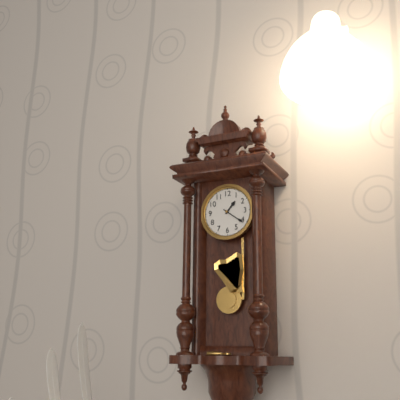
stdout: 1 h 21 min
